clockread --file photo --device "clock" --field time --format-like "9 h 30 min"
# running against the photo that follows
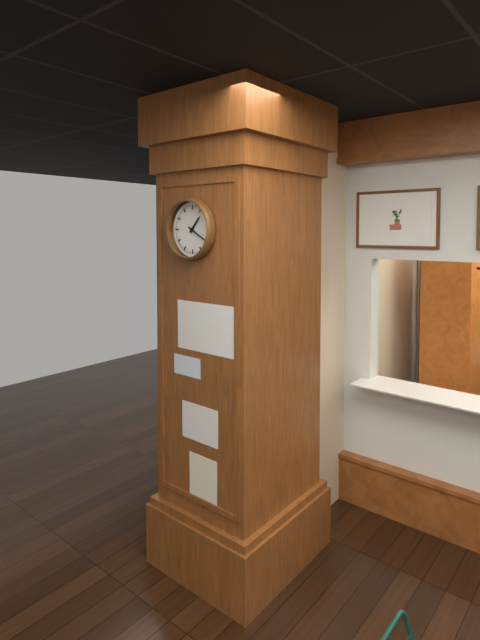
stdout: 1 h 20 min
